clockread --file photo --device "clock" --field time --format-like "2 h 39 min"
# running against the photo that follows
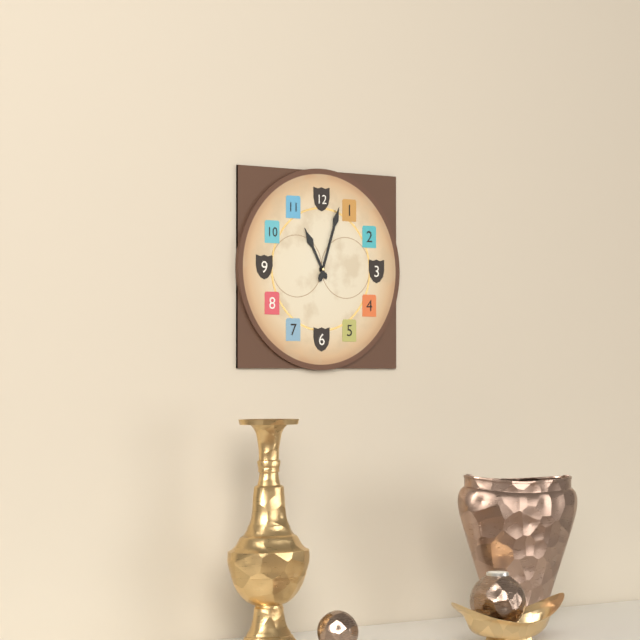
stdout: 11 h 03 min
